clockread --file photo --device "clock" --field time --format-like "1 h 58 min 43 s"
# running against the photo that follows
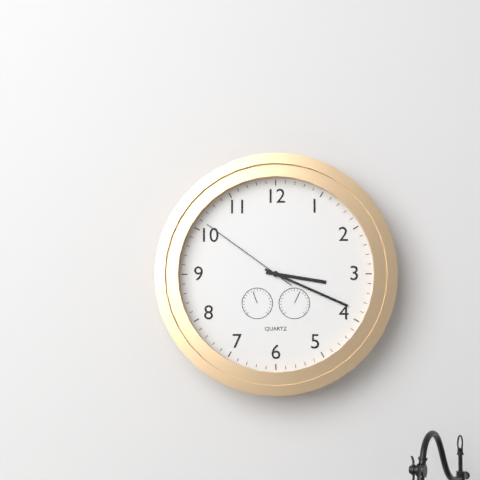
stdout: 3 h 19 min 51 s
